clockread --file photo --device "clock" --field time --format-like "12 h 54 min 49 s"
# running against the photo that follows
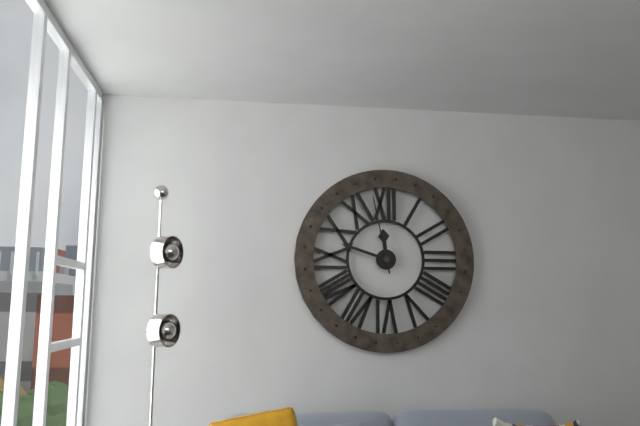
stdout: 11 h 48 min 58 s
